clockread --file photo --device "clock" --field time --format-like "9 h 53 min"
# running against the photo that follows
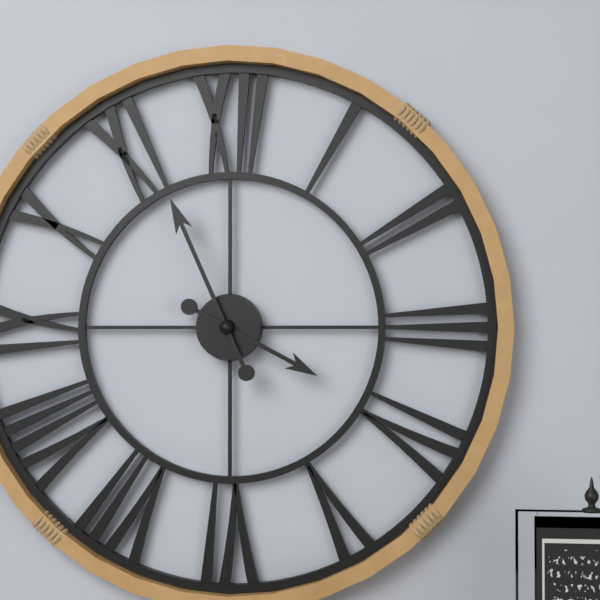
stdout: 3 h 56 min
